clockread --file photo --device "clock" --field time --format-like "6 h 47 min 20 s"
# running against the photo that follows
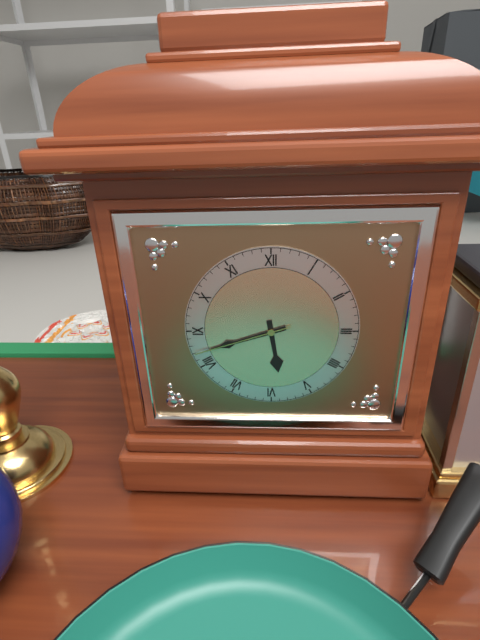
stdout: 5 h 42 min 42 s
